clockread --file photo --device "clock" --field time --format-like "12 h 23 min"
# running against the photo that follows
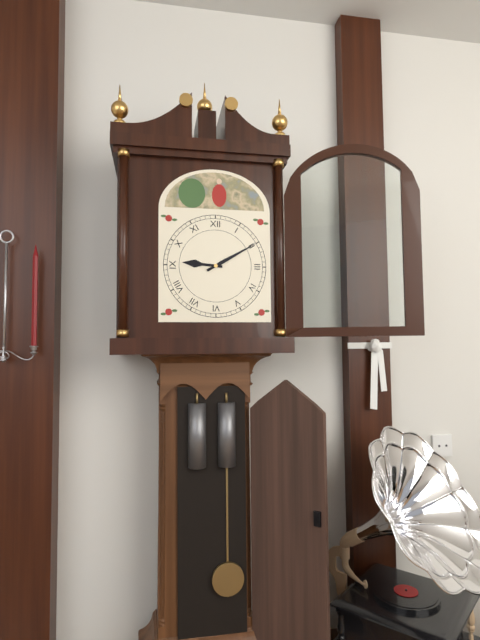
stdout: 9 h 10 min
